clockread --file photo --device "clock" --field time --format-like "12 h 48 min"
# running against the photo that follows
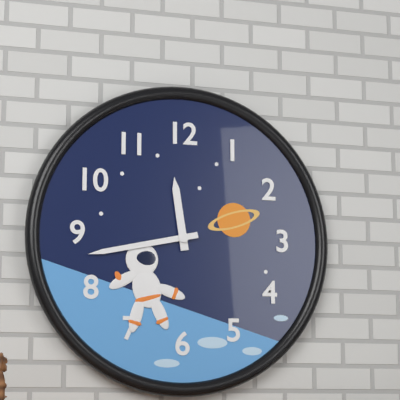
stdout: 11 h 43 min
